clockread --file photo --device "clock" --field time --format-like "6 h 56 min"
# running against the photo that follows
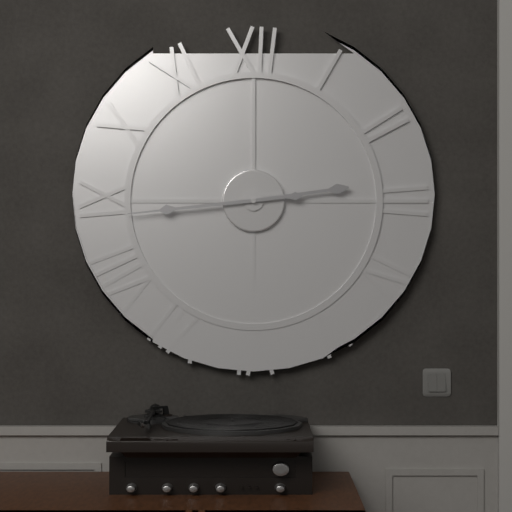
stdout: 2 h 44 min
